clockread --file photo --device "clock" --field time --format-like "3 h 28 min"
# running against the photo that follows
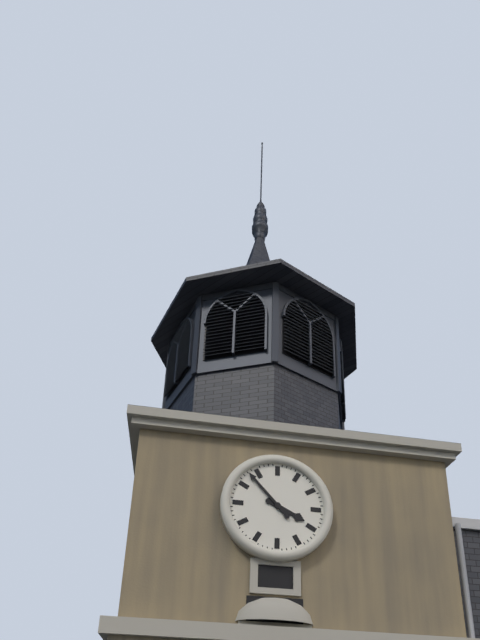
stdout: 3 h 53 min
